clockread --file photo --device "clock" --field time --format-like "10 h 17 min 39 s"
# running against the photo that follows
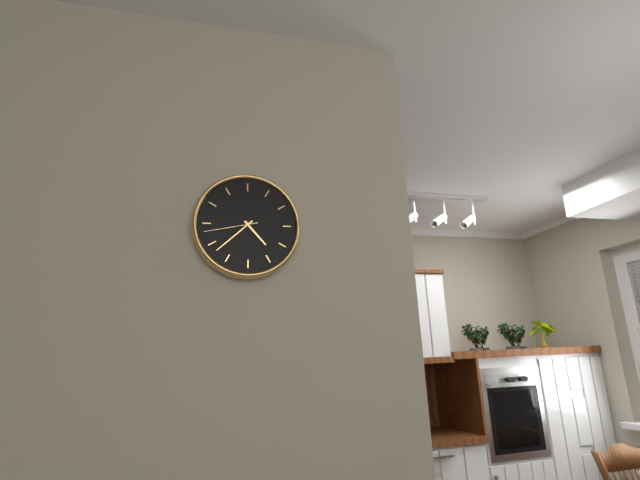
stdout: 4 h 38 min 43 s
